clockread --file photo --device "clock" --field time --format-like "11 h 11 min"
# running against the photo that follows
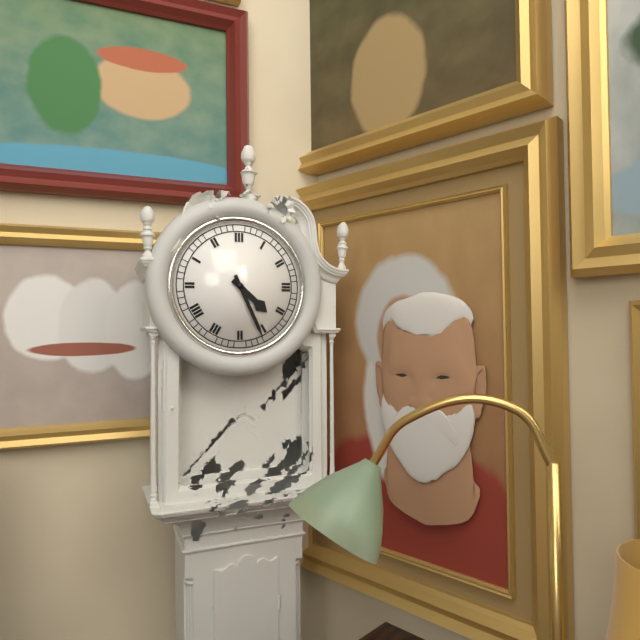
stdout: 4 h 26 min
